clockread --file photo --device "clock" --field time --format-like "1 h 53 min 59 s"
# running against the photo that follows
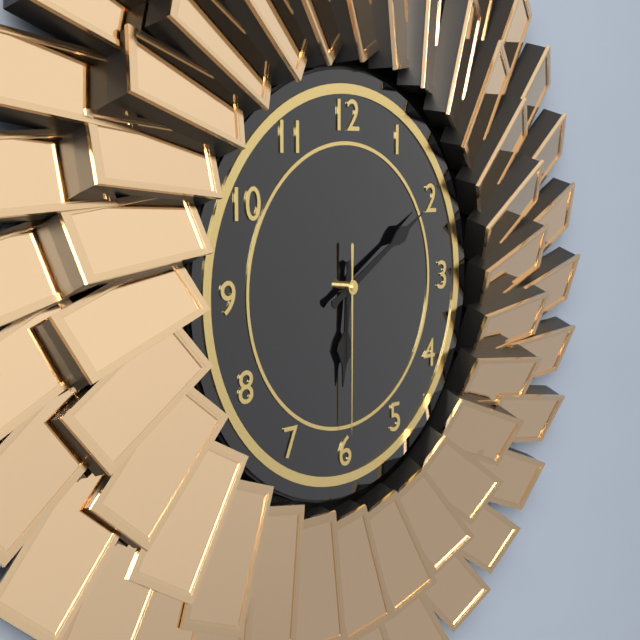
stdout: 6 h 10 min 30 s
